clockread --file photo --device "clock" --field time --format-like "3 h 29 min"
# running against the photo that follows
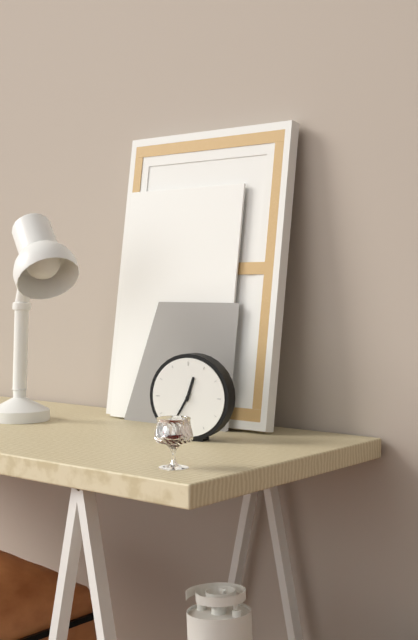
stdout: 12 h 35 min
